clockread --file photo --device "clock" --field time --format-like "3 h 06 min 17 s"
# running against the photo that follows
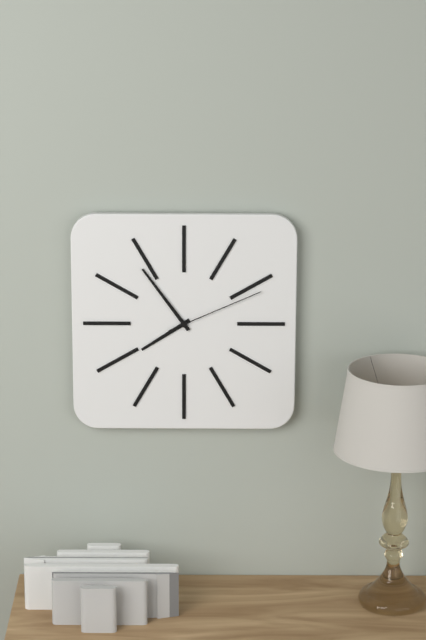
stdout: 7 h 54 min 11 s
